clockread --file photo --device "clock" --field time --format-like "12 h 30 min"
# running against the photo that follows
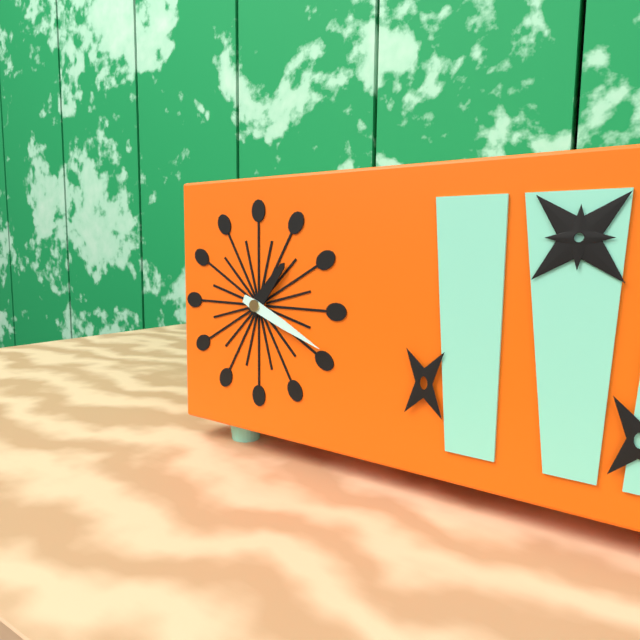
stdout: 1 h 19 min
